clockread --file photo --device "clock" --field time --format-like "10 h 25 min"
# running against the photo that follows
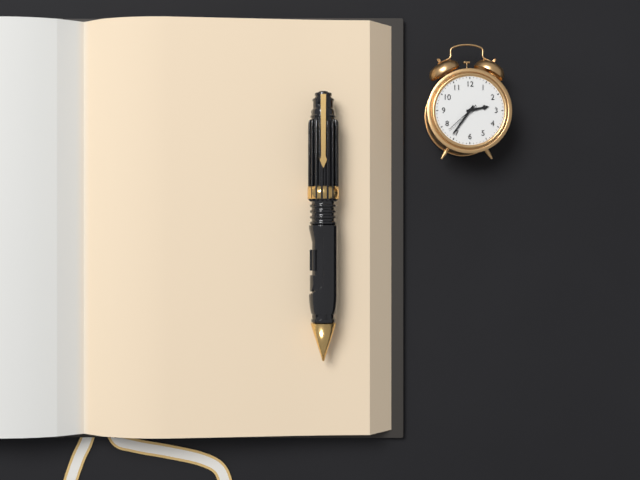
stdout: 2 h 36 min
